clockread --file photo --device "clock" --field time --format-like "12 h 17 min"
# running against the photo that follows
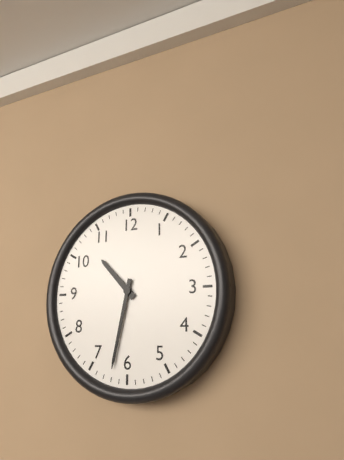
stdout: 10 h 32 min
